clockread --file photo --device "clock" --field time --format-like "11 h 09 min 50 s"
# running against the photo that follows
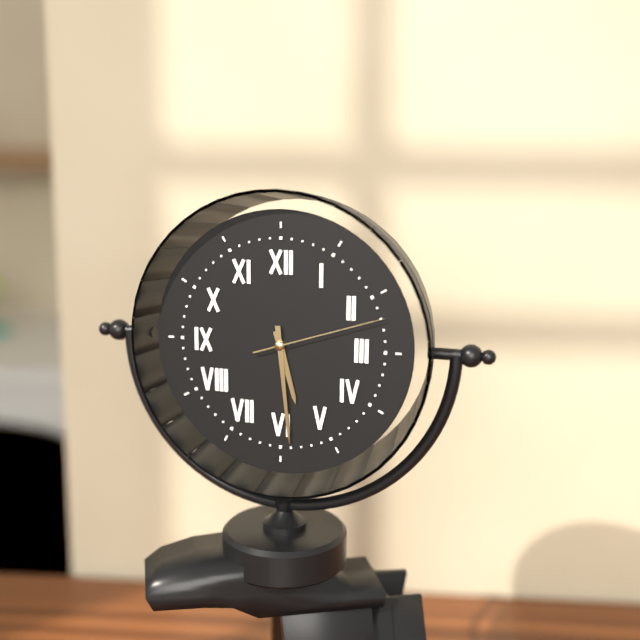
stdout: 5 h 29 min 12 s
